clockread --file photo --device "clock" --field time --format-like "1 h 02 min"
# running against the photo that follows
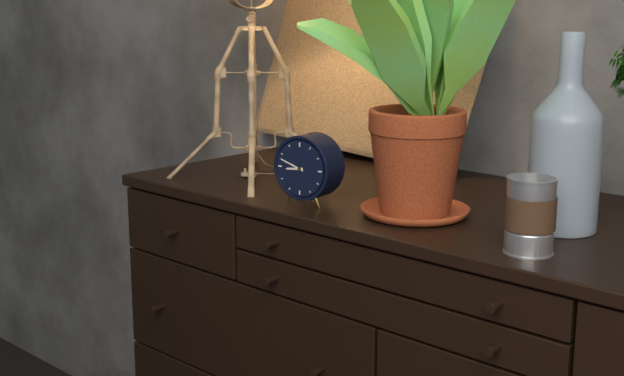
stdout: 8 h 48 min
